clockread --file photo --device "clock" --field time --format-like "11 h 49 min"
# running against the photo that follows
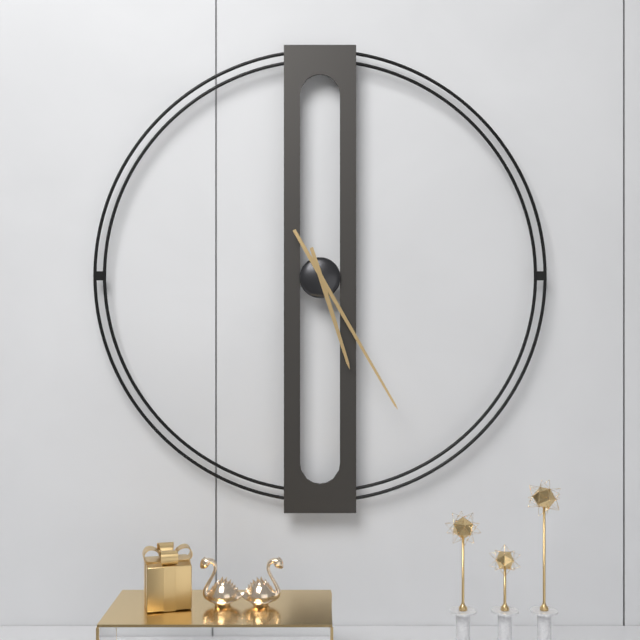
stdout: 5 h 25 min
